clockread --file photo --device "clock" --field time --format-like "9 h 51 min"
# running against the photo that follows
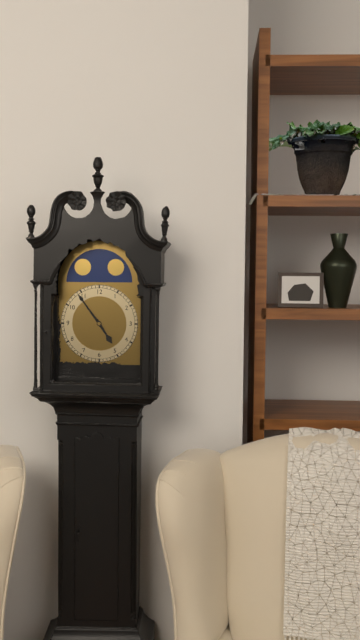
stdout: 4 h 54 min
